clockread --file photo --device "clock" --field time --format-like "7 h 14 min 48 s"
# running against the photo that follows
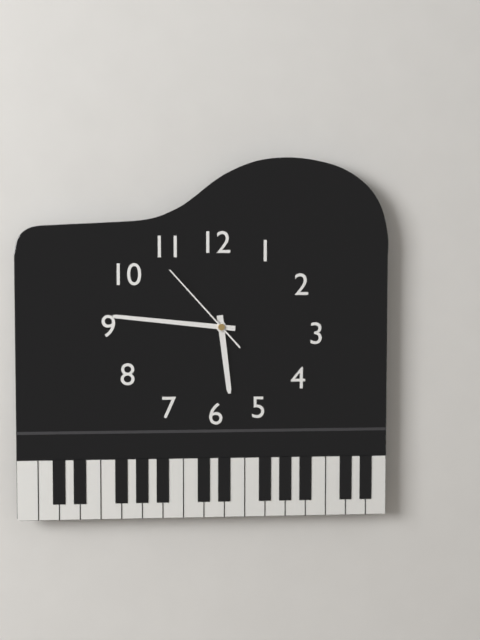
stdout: 5 h 46 min 53 s
